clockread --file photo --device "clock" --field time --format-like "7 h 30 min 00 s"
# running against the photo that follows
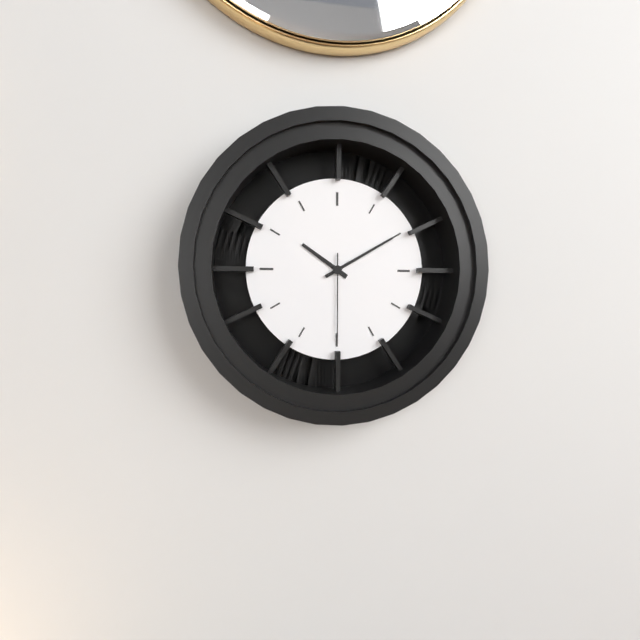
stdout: 10 h 10 min 30 s
